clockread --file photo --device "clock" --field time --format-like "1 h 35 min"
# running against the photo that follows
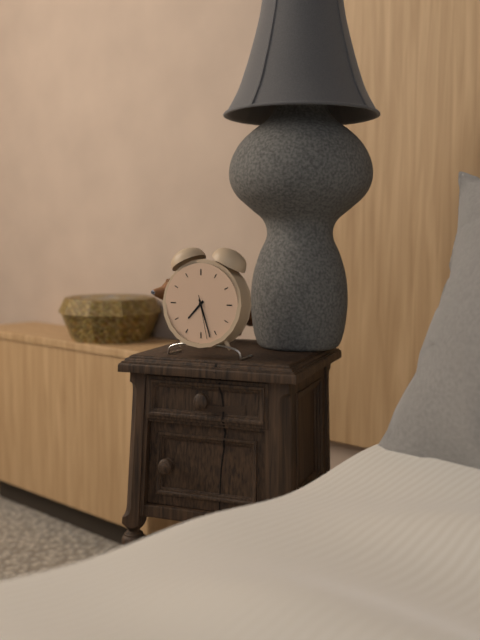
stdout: 7 h 27 min
